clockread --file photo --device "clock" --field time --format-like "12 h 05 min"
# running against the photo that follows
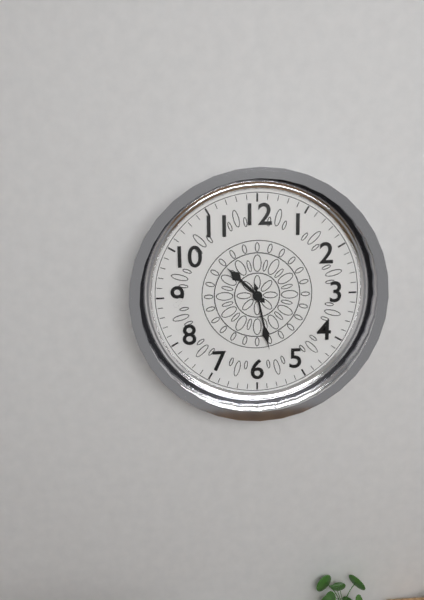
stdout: 10 h 28 min
